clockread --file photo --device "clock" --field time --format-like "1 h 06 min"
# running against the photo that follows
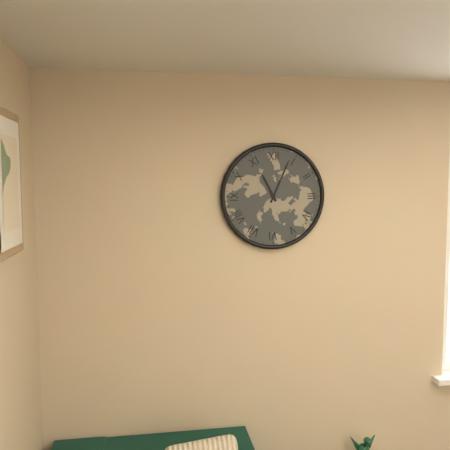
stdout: 11 h 04 min
